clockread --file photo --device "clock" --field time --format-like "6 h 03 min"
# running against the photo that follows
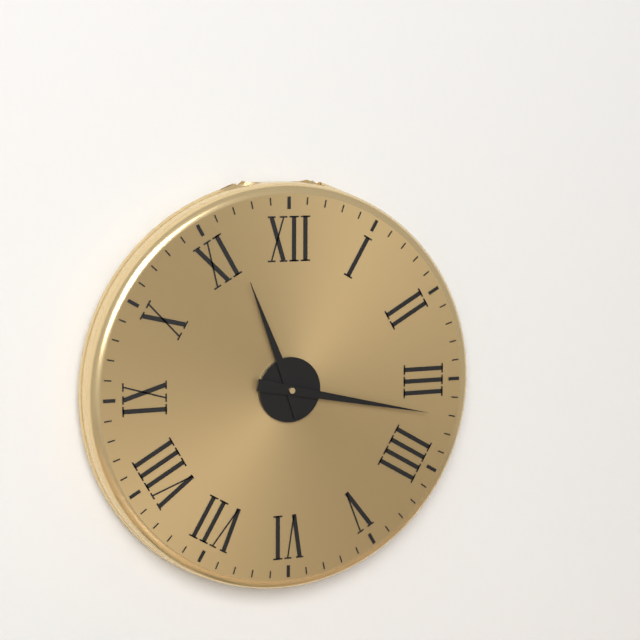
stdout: 11 h 17 min
